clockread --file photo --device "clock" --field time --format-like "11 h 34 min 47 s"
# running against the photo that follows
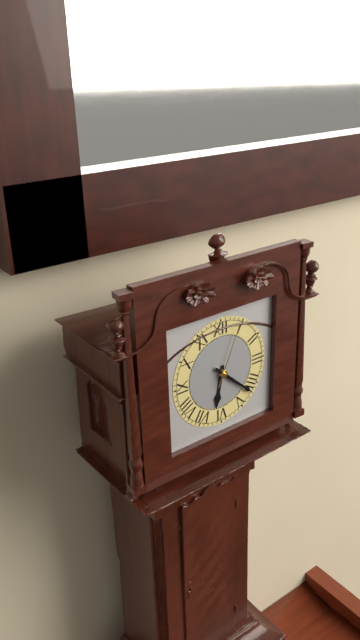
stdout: 6 h 22 min 04 s
